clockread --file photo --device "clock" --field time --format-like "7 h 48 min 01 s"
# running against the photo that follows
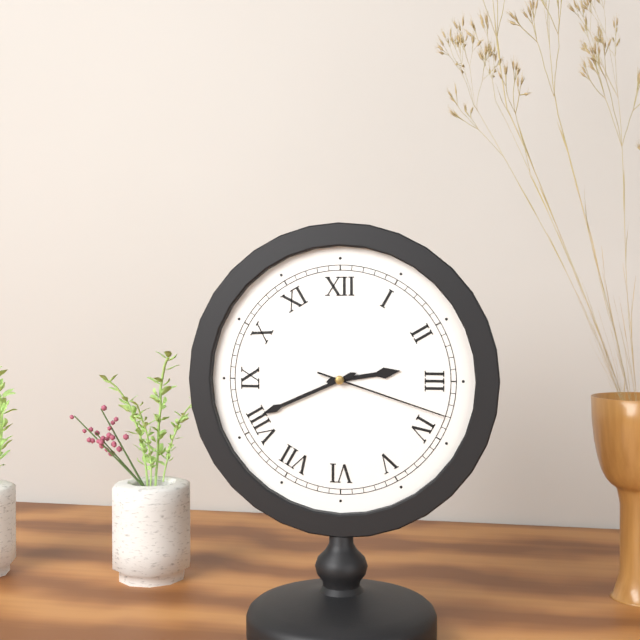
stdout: 2 h 41 min 18 s
